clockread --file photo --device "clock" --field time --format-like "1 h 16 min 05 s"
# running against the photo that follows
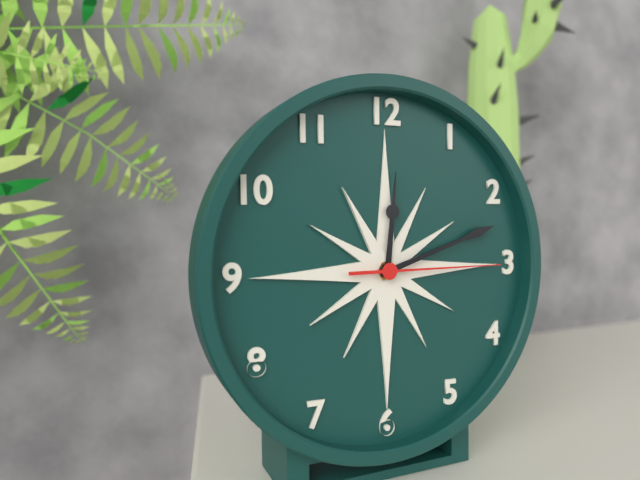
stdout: 12 h 12 min 15 s
